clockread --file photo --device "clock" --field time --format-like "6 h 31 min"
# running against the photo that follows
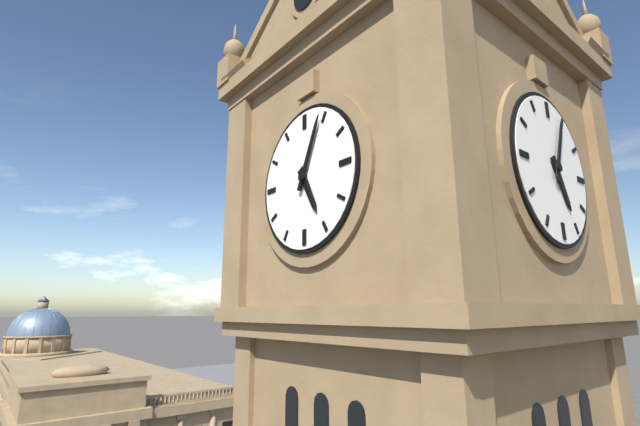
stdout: 5 h 04 min
